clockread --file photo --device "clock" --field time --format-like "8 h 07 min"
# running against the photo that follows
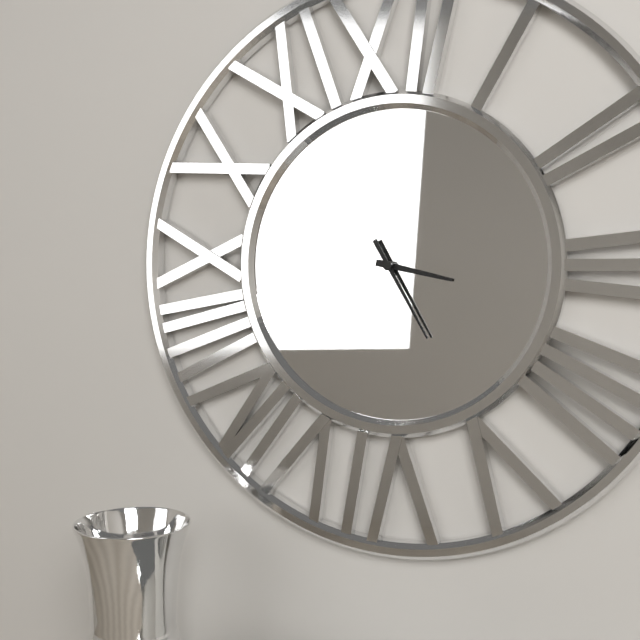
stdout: 3 h 25 min
